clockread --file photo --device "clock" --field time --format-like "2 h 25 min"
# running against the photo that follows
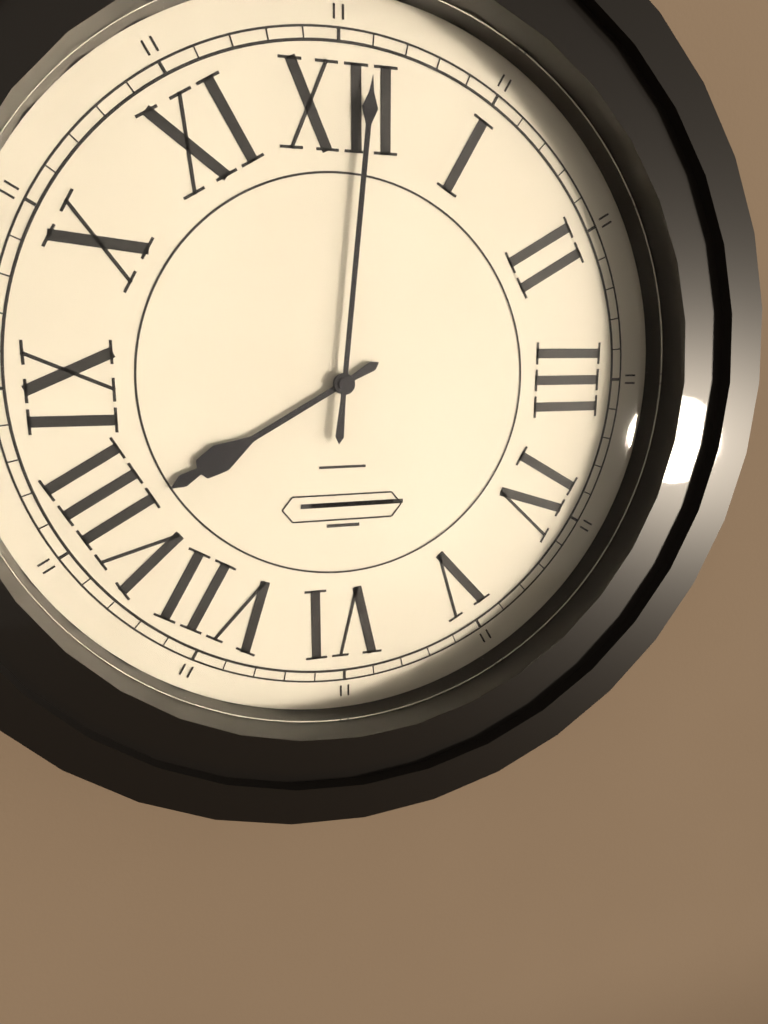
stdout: 8 h 01 min
